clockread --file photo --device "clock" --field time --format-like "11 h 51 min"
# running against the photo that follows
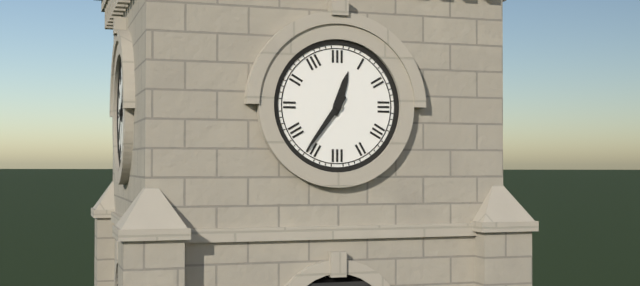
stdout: 12 h 36 min
